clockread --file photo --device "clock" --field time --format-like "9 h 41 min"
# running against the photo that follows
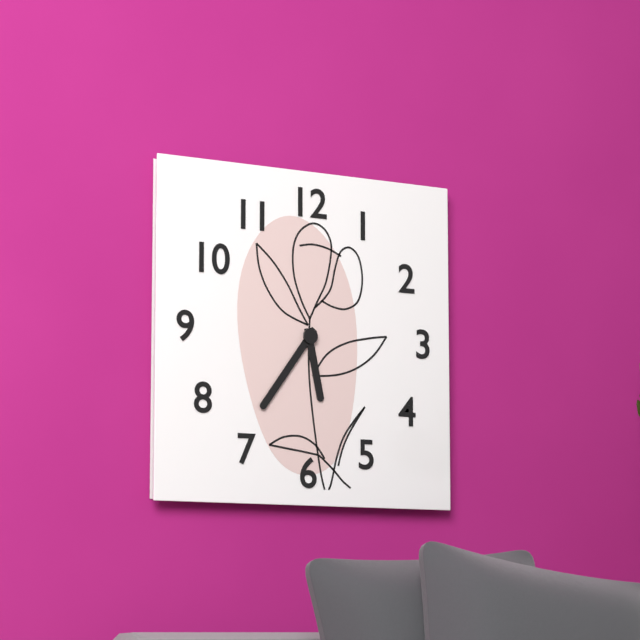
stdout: 5 h 36 min
